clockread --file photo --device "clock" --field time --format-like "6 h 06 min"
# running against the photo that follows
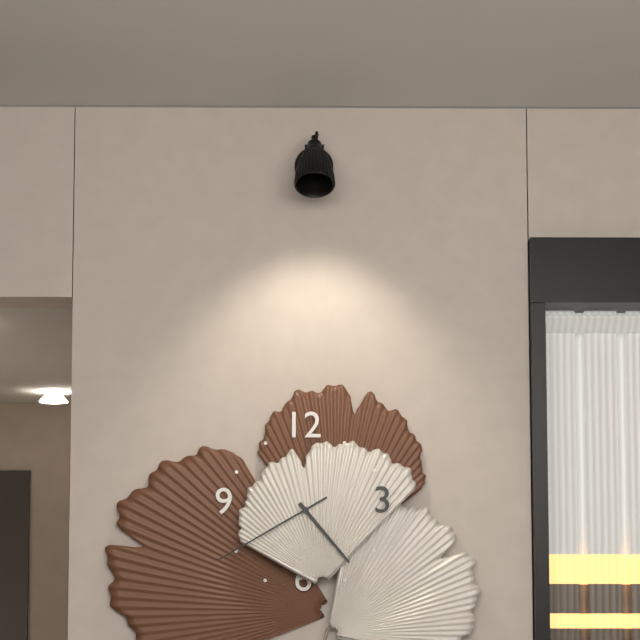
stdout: 4 h 40 min
